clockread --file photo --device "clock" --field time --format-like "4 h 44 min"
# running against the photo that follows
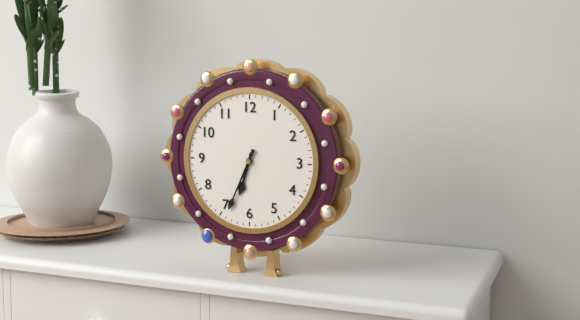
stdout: 6 h 34 min
